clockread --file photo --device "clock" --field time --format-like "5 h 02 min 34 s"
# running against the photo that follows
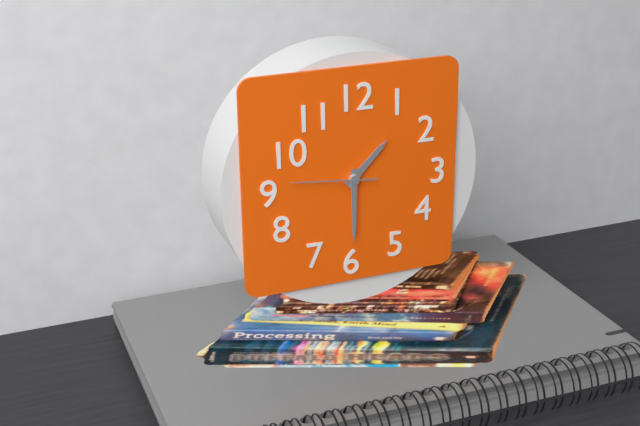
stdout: 1 h 30 min 46 s
